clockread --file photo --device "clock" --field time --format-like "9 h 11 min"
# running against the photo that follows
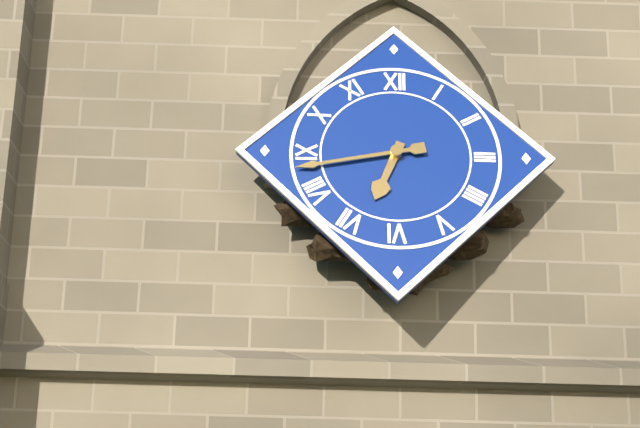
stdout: 6 h 43 min
